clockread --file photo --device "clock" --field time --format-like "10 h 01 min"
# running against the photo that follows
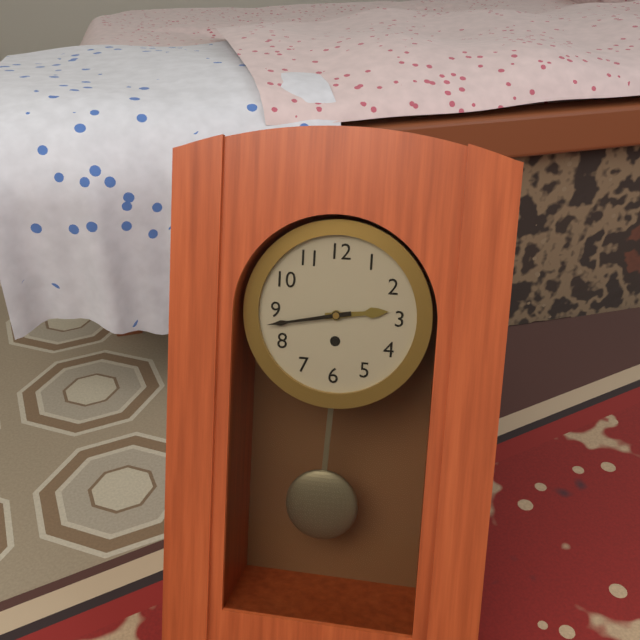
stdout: 2 h 43 min
